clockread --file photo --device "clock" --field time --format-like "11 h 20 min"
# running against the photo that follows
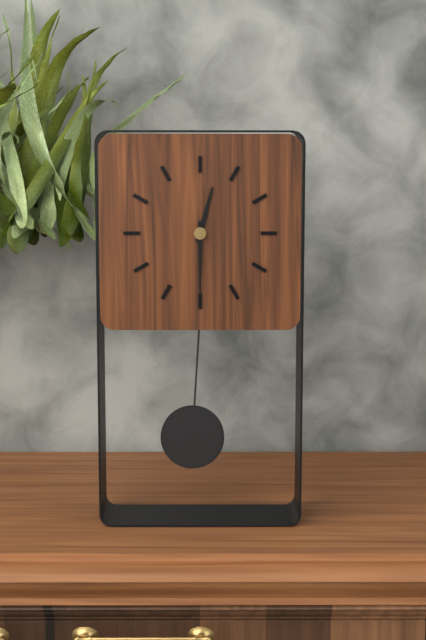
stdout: 12 h 30 min
